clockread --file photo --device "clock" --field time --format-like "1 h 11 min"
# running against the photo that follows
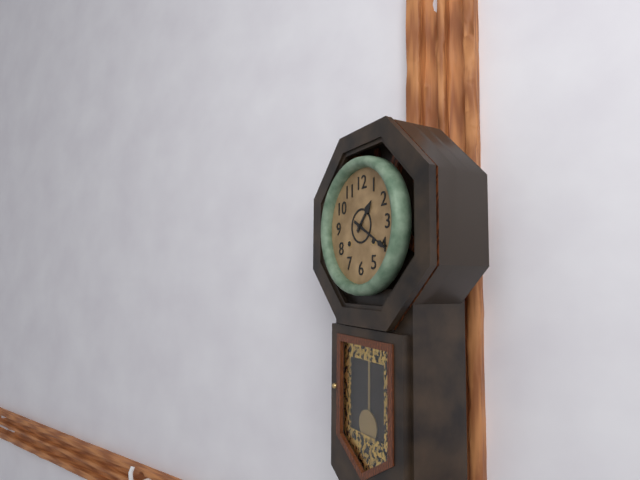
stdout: 1 h 20 min
